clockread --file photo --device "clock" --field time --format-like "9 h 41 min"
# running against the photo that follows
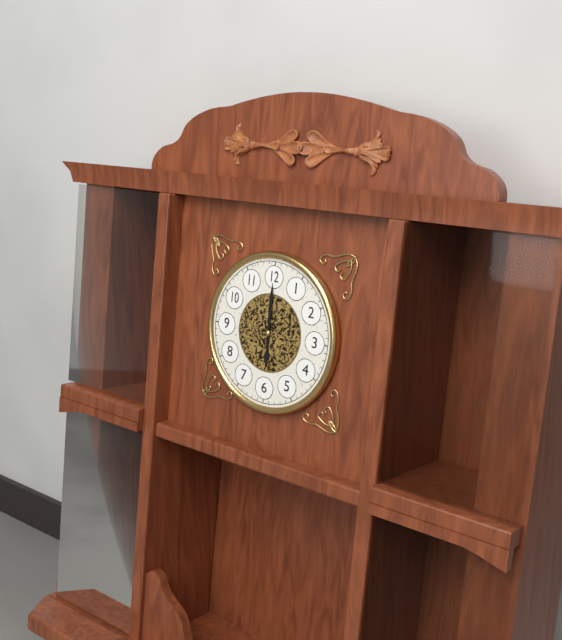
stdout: 6 h 00 min
